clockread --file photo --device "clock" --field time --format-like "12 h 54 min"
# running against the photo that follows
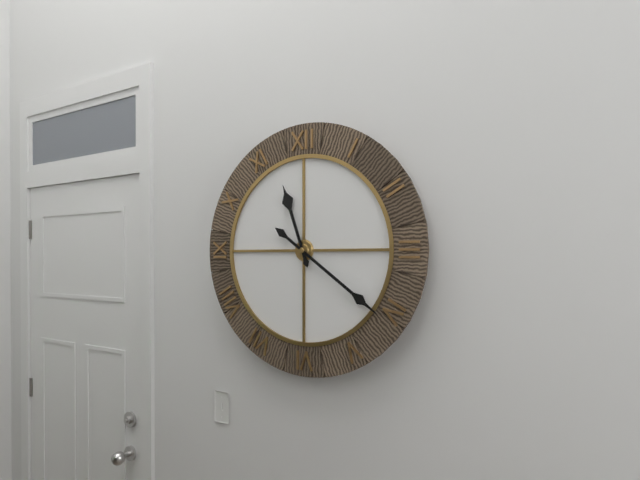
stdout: 11 h 21 min
